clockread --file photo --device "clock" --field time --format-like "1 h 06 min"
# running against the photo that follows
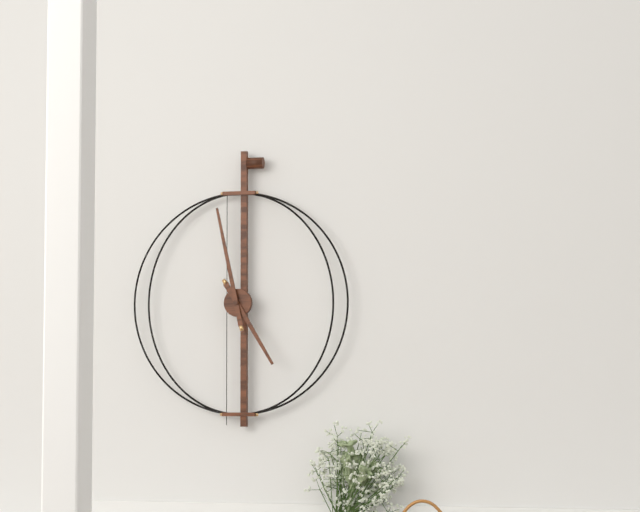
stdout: 4 h 58 min
